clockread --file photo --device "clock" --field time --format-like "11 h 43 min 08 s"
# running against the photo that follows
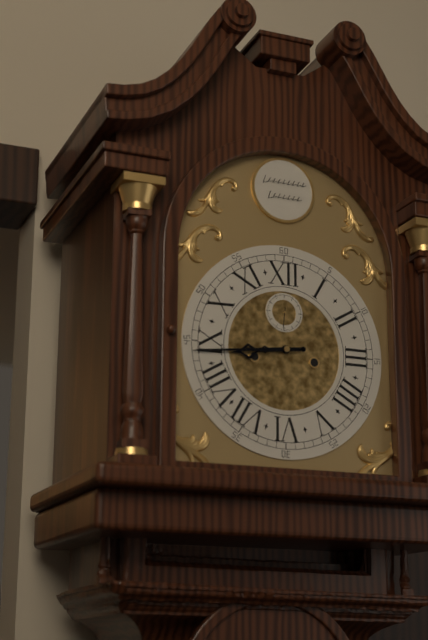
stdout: 8 h 44 min 31 s
